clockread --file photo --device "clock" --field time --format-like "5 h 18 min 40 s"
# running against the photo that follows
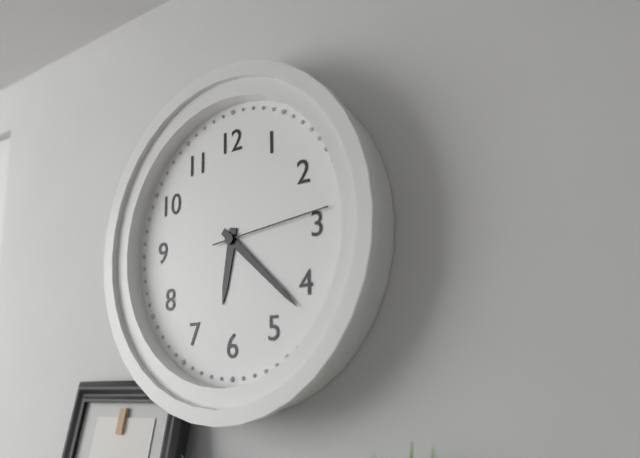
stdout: 6 h 22 min 14 s
